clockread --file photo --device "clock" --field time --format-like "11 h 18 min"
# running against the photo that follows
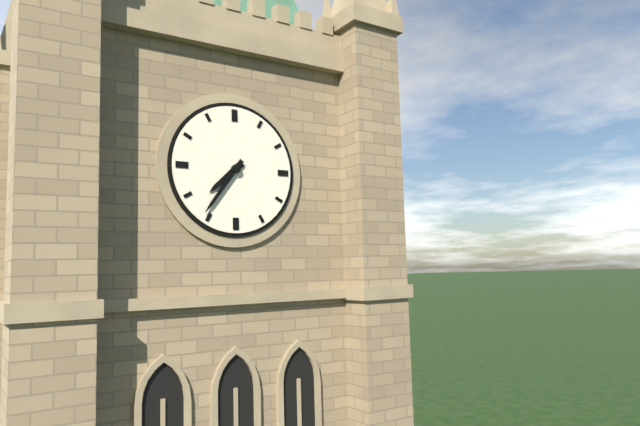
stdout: 7 h 36 min
